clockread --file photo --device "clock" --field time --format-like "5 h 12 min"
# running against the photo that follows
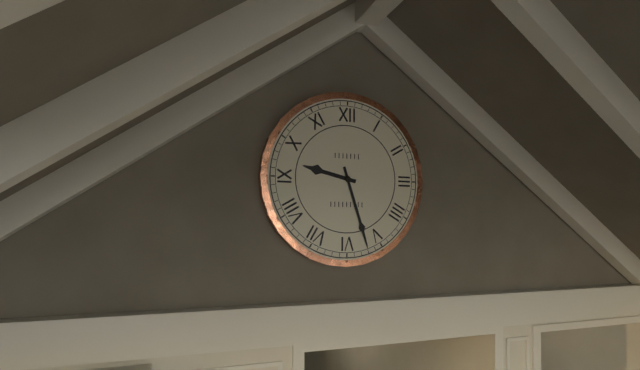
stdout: 9 h 27 min
